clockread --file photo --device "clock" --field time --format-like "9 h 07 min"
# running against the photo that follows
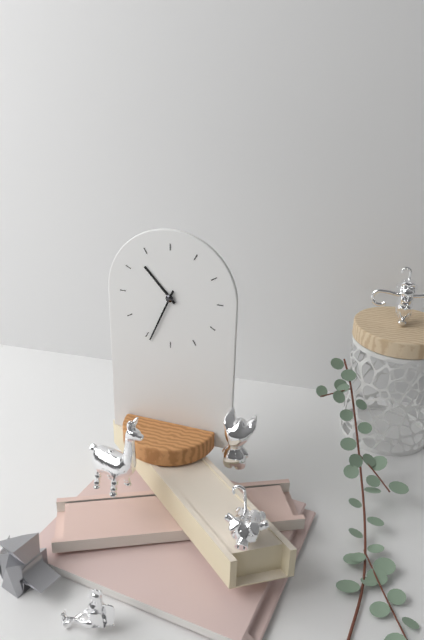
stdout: 10 h 34 min
